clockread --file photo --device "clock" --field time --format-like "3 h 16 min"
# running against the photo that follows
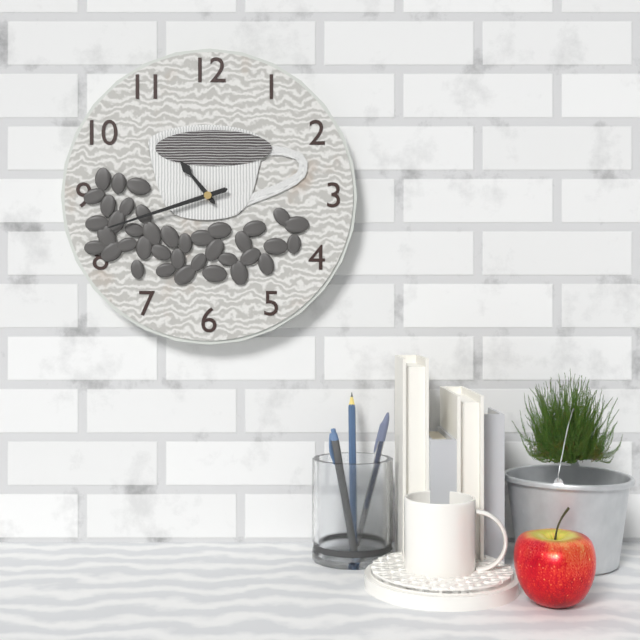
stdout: 10 h 42 min
